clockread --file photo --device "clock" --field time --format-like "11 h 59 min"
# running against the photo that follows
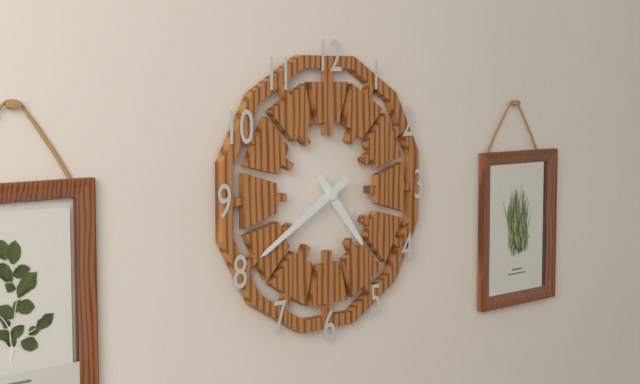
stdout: 4 h 40 min
